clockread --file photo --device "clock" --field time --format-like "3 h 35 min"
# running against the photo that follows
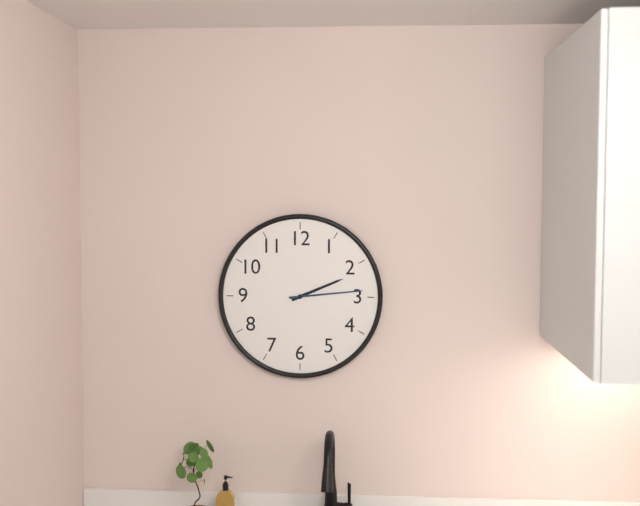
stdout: 2 h 14 min
